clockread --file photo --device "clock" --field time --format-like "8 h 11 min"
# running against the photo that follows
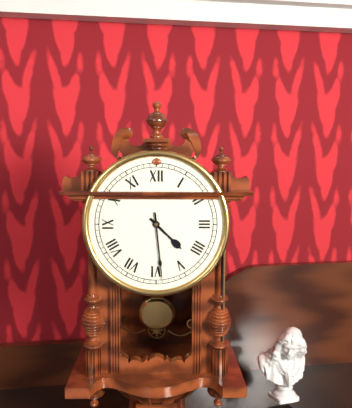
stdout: 4 h 29 min
